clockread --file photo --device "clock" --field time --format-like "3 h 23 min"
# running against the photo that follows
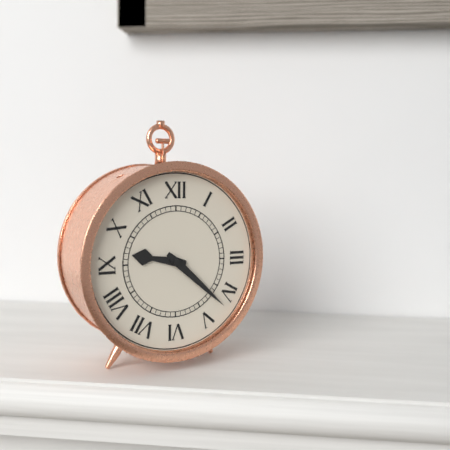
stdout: 9 h 22 min
